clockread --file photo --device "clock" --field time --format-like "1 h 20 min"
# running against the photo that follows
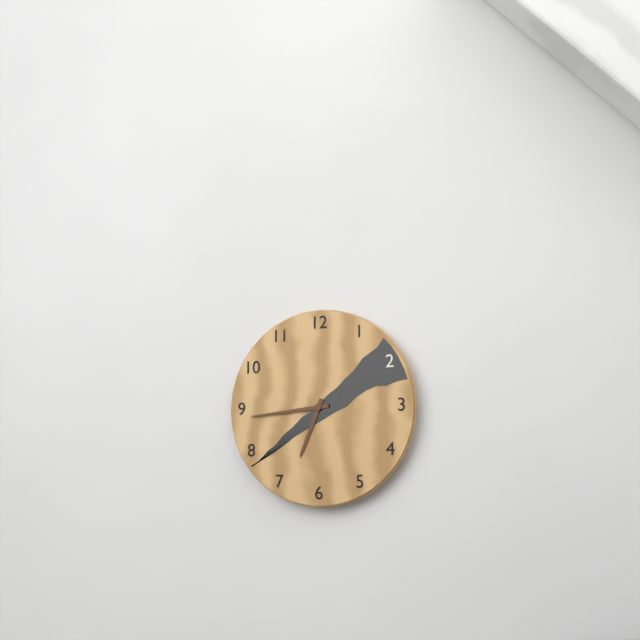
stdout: 6 h 44 min
